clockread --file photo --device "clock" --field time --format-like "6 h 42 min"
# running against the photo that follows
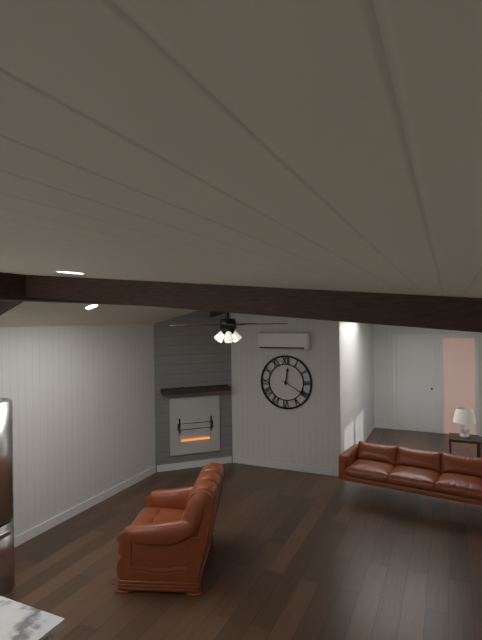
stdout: 12 h 20 min
